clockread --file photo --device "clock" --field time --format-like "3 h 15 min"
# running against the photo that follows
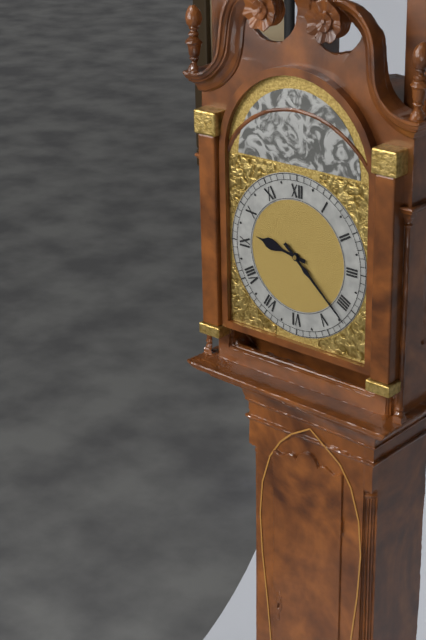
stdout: 9 h 22 min
